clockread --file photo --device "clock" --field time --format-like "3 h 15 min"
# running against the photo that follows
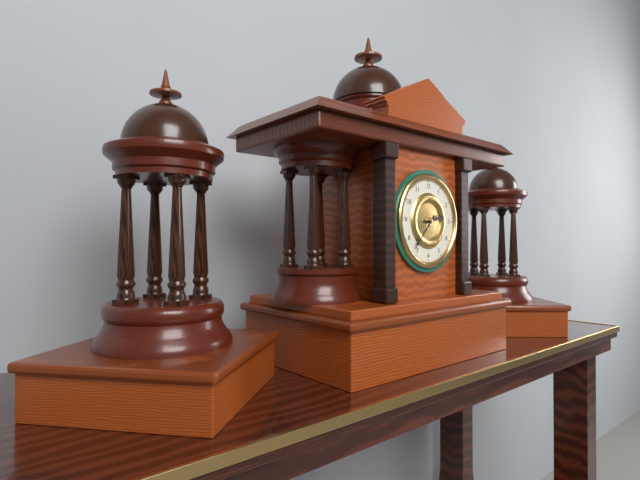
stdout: 2 h 37 min
